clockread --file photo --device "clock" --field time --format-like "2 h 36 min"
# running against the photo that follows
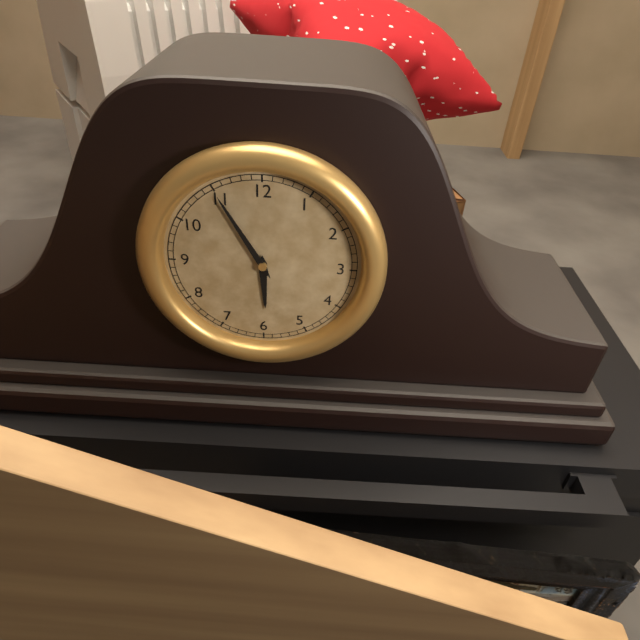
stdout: 5 h 55 min
